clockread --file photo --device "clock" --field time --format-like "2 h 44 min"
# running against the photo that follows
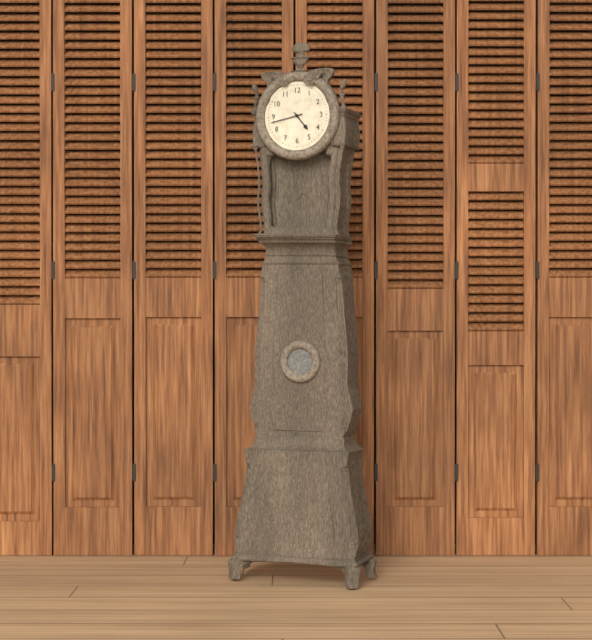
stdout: 4 h 43 min
